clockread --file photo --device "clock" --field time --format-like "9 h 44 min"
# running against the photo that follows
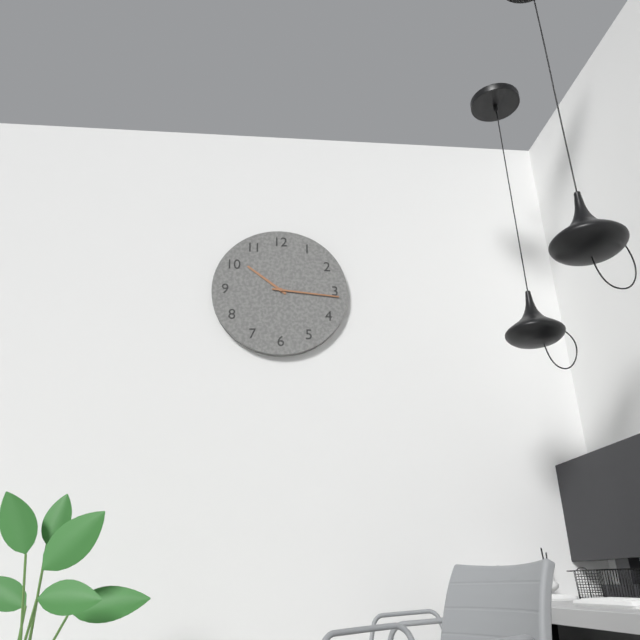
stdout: 10 h 16 min
